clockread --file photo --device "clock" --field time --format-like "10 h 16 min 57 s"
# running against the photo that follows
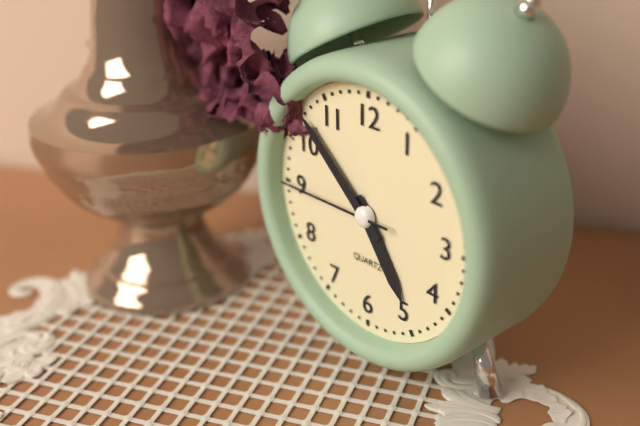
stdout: 4 h 52 min 45 s
